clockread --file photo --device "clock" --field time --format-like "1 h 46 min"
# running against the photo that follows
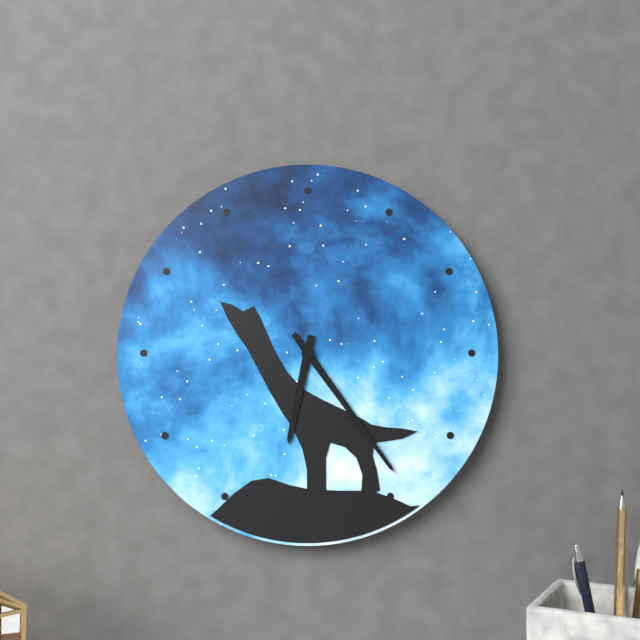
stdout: 6 h 24 min
